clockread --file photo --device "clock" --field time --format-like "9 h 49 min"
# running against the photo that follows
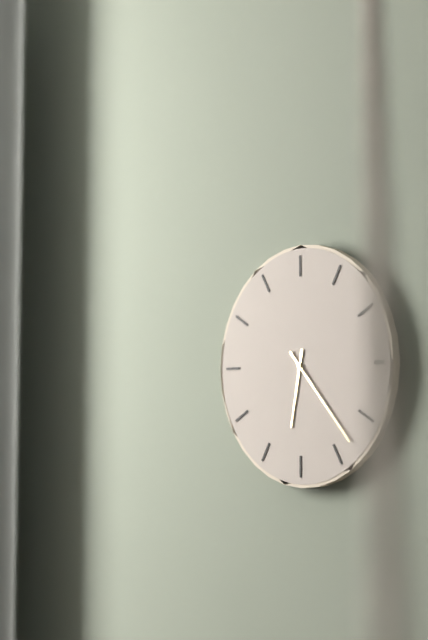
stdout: 6 h 23 min
